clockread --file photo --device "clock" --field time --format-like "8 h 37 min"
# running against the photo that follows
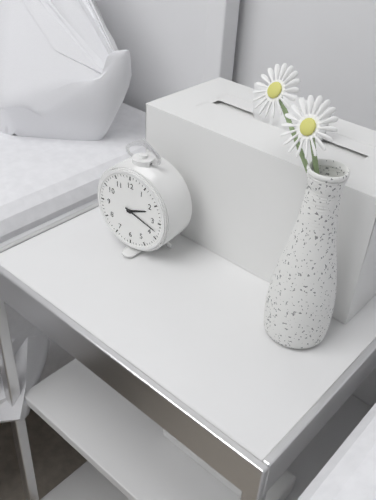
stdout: 2 h 18 min
